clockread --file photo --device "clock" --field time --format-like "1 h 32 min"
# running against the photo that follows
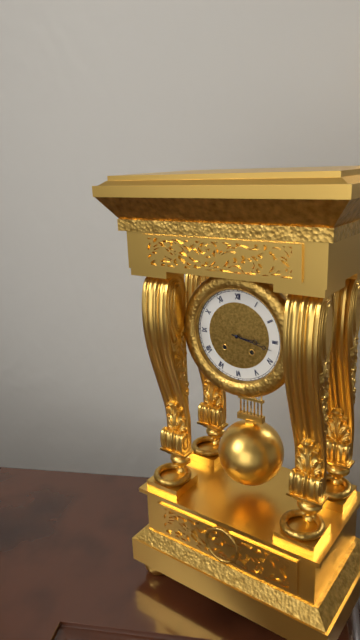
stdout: 3 h 17 min
